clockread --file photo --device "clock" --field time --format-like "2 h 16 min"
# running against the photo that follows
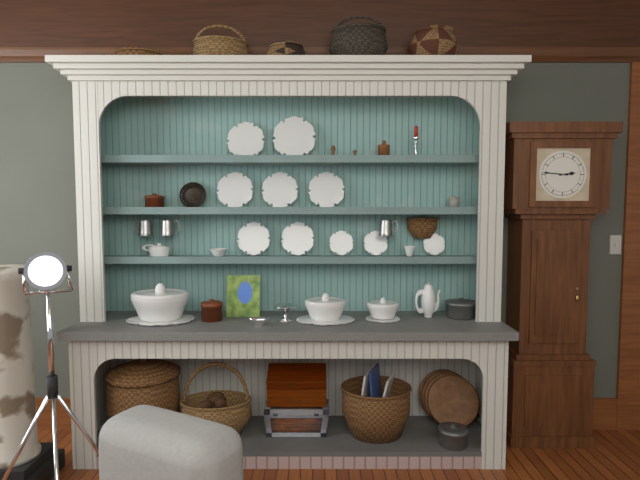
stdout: 2 h 46 min
